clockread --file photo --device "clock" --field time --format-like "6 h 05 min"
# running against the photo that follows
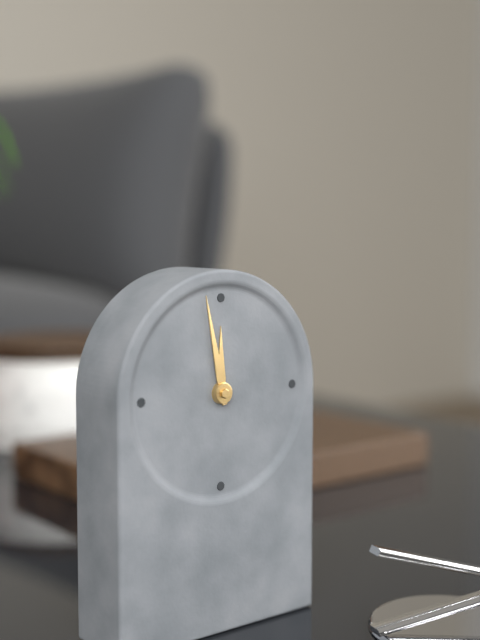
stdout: 11 h 58 min
